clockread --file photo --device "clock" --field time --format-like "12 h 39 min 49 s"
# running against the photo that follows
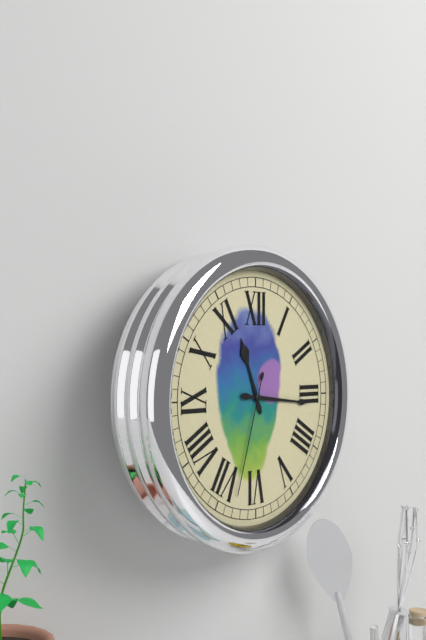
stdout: 11 h 16 min 33 s
